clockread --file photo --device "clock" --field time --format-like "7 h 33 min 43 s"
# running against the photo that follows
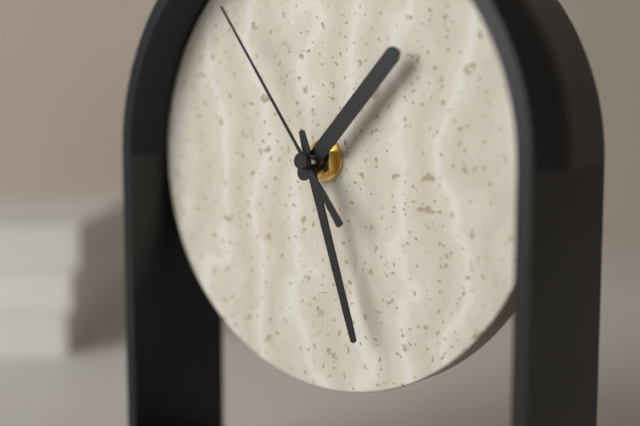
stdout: 1 h 27 min 54 s
